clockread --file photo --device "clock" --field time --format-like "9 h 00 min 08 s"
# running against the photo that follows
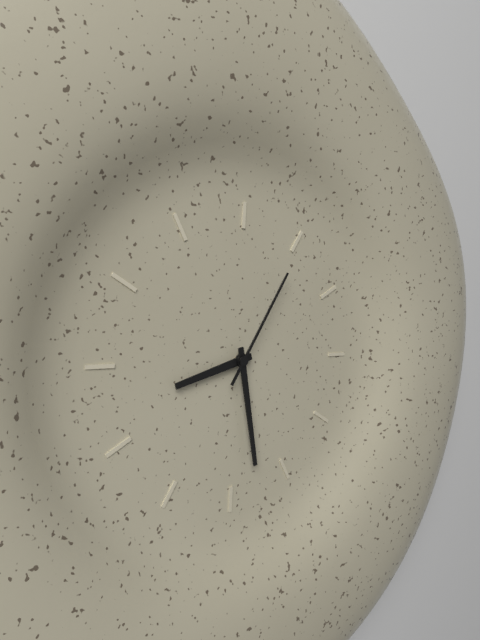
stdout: 8 h 28 min 05 s
